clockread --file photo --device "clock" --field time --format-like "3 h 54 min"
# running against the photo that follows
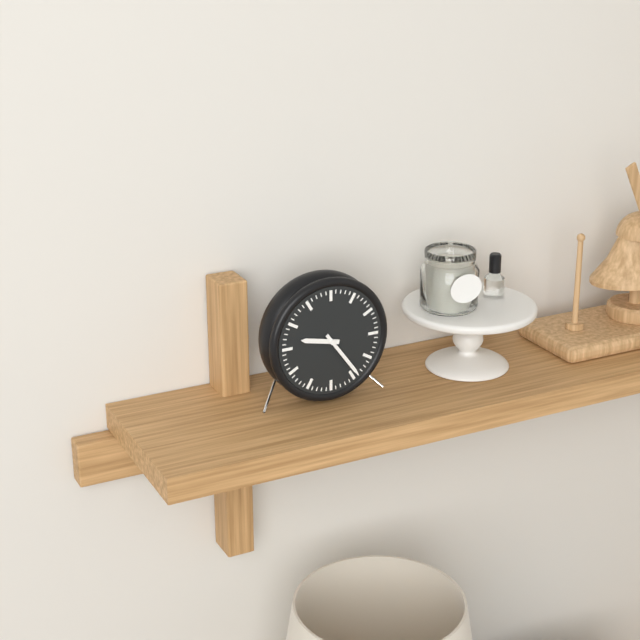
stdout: 9 h 24 min
